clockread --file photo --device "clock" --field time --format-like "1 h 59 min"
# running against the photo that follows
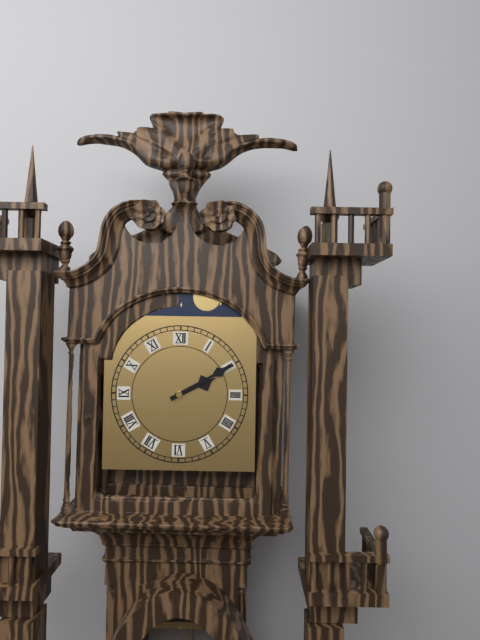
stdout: 2 h 10 min
